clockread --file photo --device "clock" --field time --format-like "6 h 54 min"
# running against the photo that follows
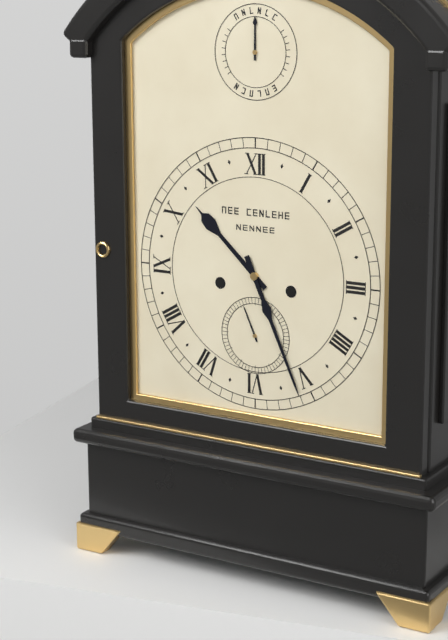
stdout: 10 h 26 min
